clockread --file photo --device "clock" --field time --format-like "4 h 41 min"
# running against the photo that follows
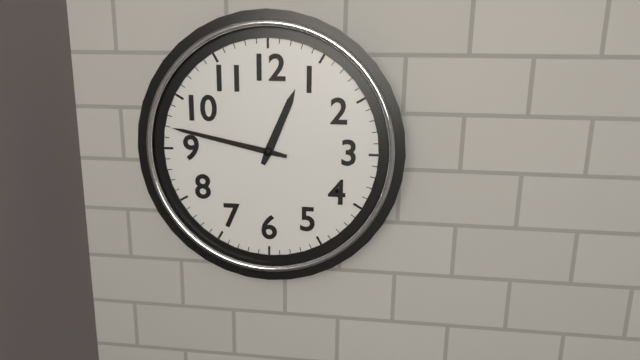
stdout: 12 h 47 min
